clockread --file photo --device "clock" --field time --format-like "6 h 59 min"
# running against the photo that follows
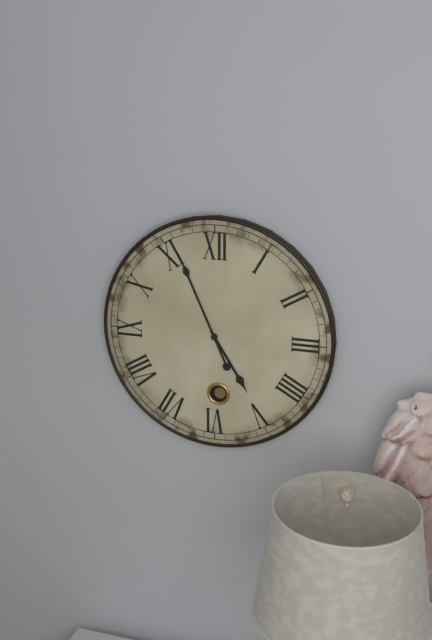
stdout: 4 h 56 min
